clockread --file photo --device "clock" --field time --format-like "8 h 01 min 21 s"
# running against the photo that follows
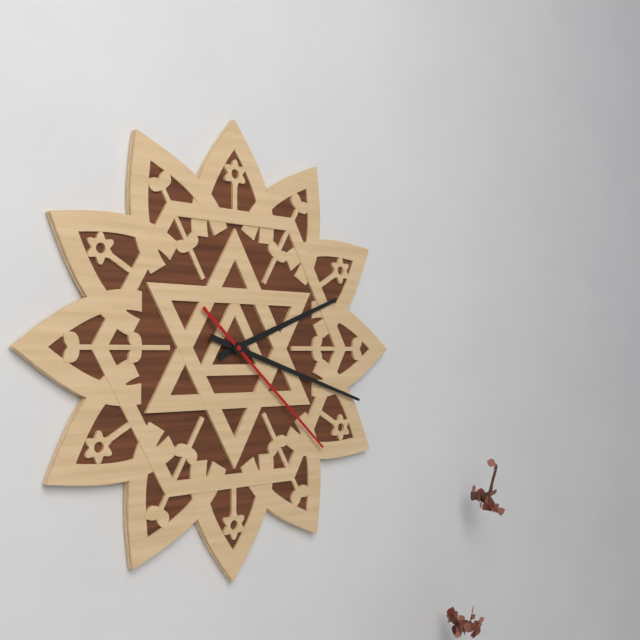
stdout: 2 h 18 min 22 s
